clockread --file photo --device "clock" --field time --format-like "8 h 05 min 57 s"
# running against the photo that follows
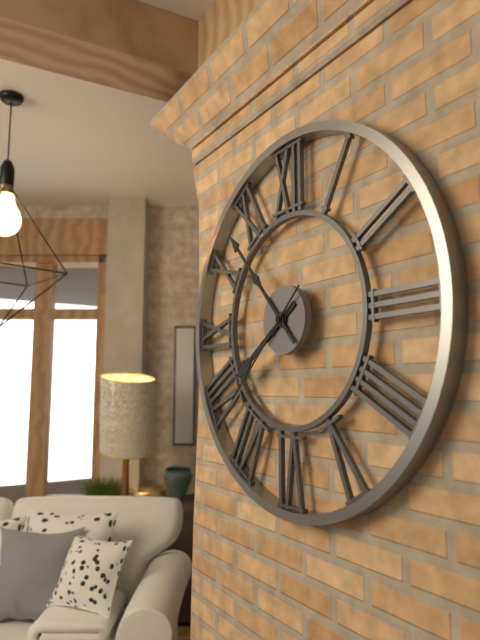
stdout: 7 h 53 min 38 s
